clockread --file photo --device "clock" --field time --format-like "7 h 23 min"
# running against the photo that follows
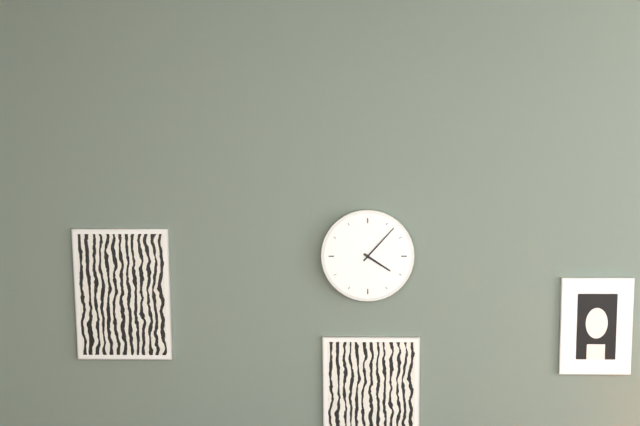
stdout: 4 h 07 min
